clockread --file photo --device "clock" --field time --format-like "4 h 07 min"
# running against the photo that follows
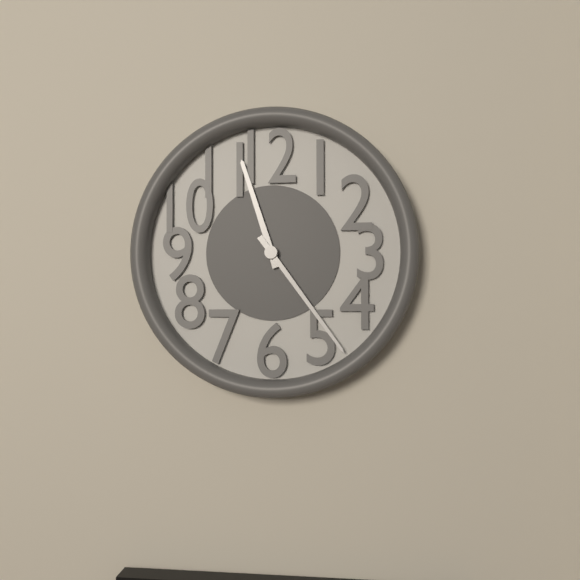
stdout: 11 h 24 min
